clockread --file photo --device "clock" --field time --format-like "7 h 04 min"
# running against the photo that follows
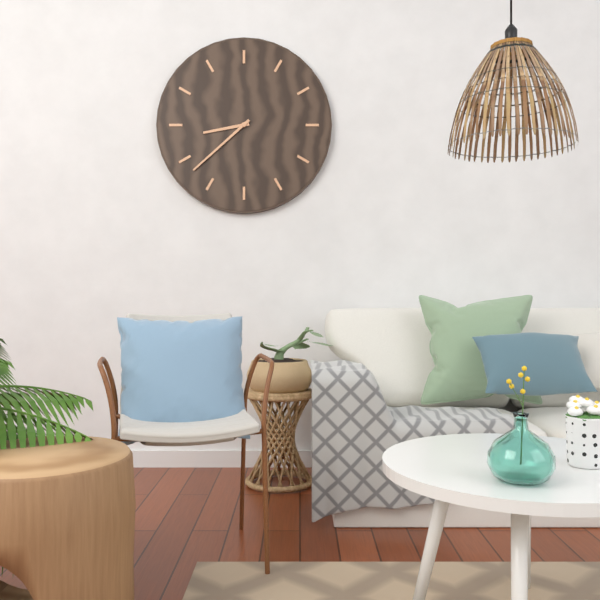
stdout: 8 h 38 min
